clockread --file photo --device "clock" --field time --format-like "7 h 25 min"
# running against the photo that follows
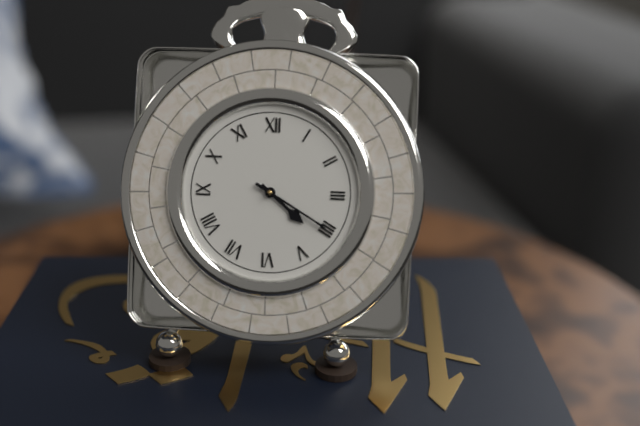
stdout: 4 h 20 min
